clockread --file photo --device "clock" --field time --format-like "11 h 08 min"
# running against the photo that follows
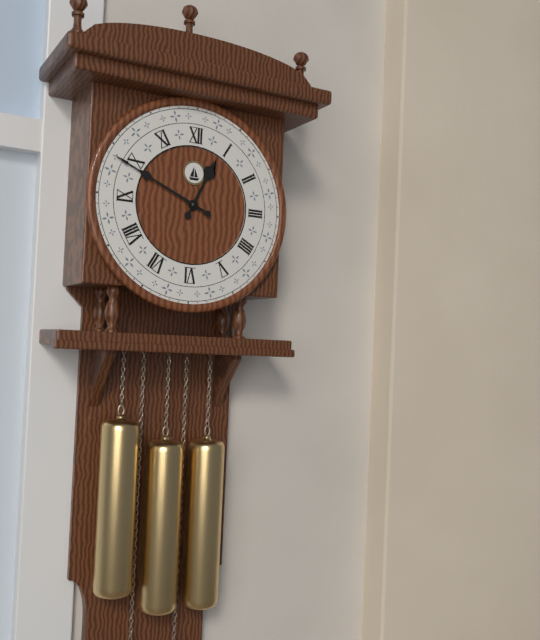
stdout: 12 h 49 min
